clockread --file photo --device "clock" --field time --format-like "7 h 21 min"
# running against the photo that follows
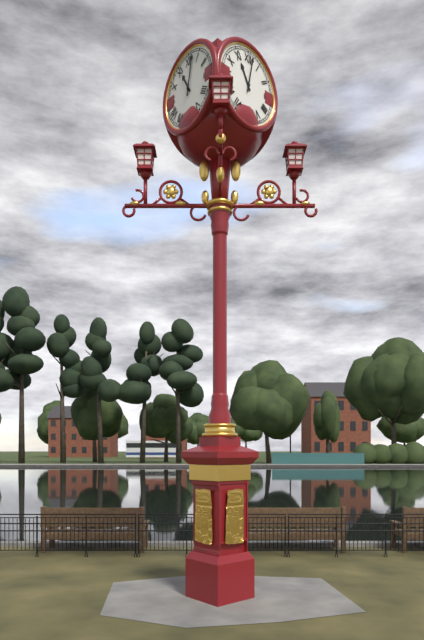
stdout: 11 h 02 min
